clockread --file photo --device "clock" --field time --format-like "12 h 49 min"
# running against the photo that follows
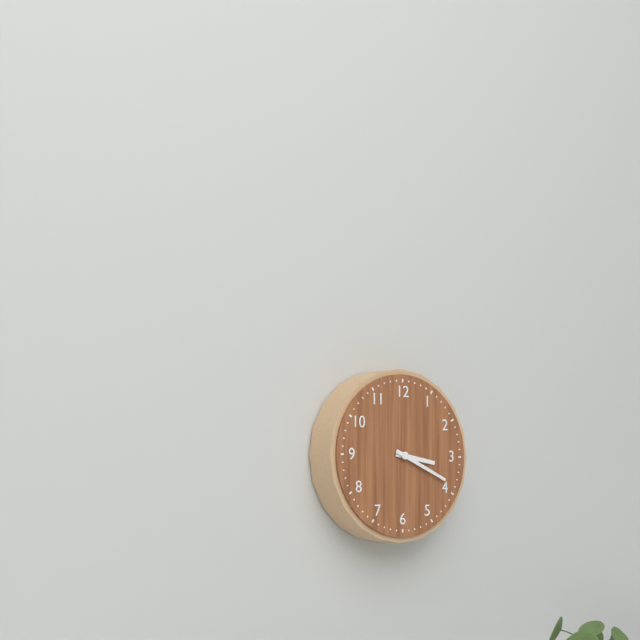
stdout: 3 h 19 min
